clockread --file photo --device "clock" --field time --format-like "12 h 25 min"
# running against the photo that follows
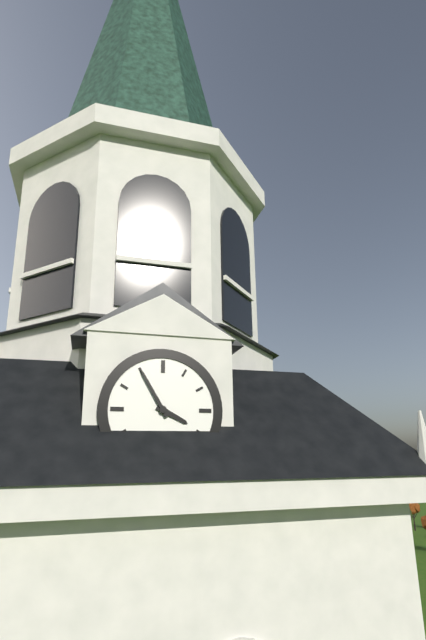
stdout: 3 h 55 min
